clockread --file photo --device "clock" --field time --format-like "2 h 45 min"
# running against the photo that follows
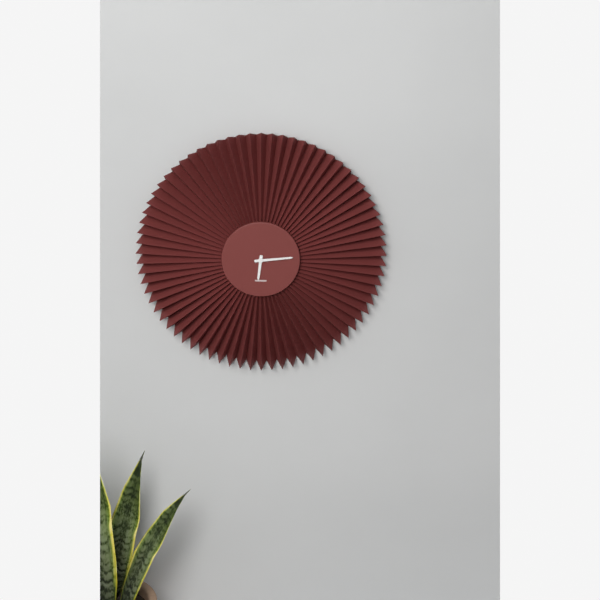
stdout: 6 h 14 min
